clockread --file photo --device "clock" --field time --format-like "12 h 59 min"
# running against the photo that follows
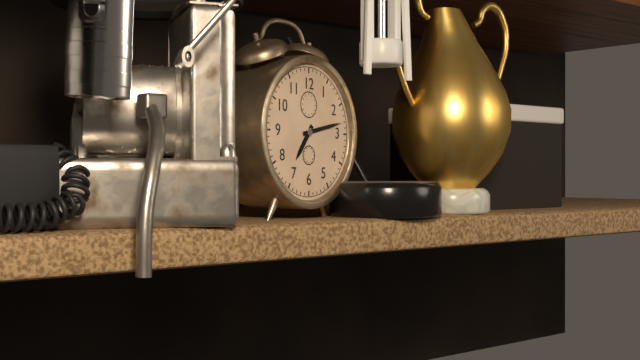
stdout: 7 h 13 min
